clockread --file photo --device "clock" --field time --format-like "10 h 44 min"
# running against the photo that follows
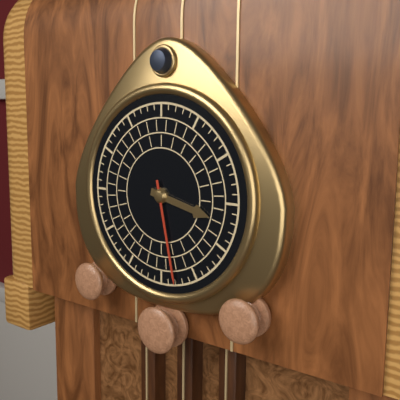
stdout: 3 h 28 min
